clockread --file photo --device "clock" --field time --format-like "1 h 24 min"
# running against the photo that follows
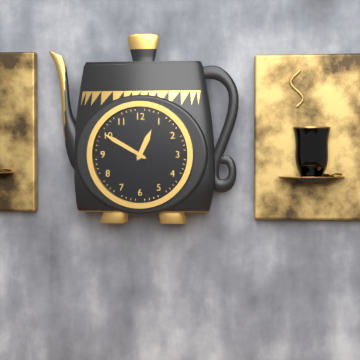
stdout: 12 h 50 min
